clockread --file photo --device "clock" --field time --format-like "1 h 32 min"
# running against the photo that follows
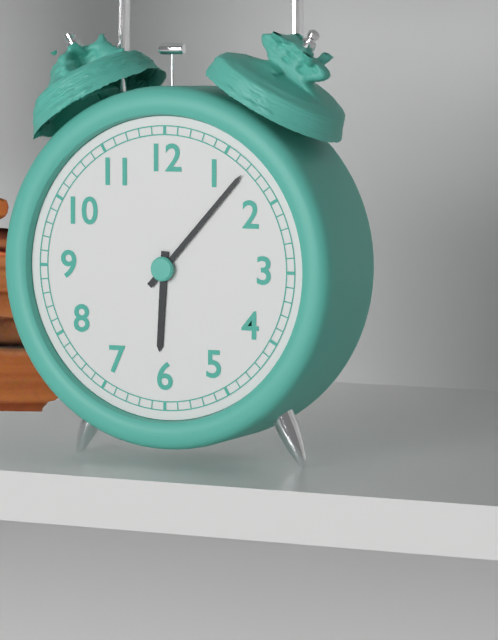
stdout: 6 h 07 min
